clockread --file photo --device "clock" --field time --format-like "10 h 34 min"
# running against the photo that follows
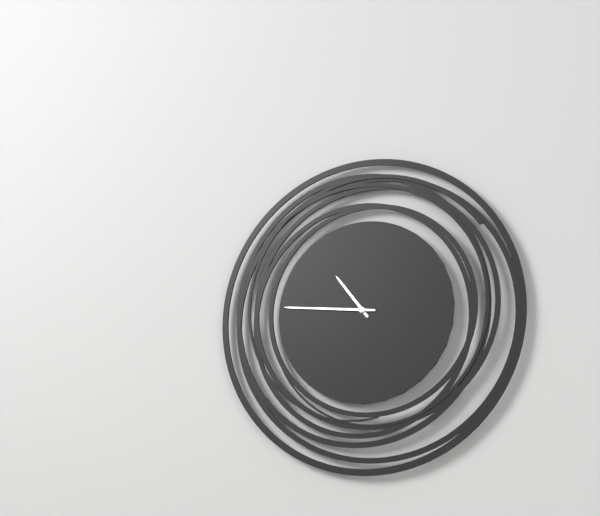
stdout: 10 h 46 min
